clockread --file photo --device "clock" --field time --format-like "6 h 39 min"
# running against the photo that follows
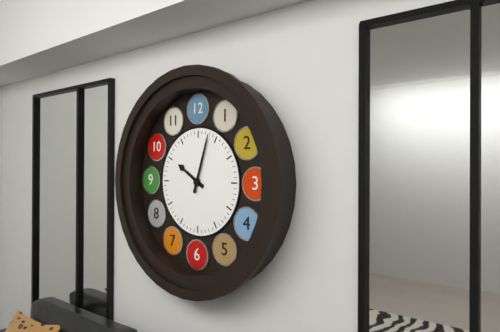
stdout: 10 h 03 min
